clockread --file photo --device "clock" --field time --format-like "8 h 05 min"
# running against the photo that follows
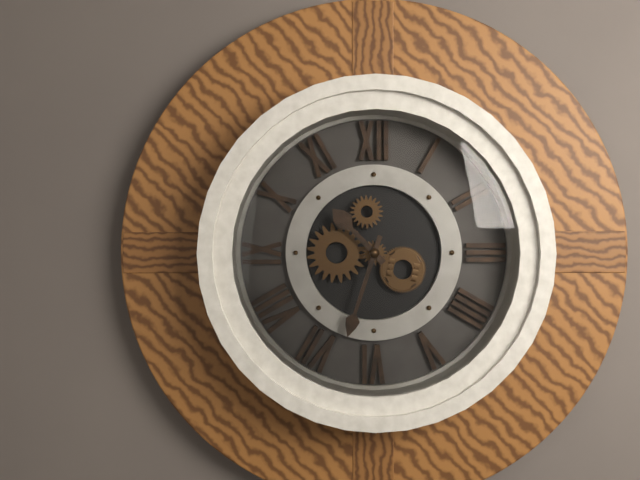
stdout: 10 h 33 min
